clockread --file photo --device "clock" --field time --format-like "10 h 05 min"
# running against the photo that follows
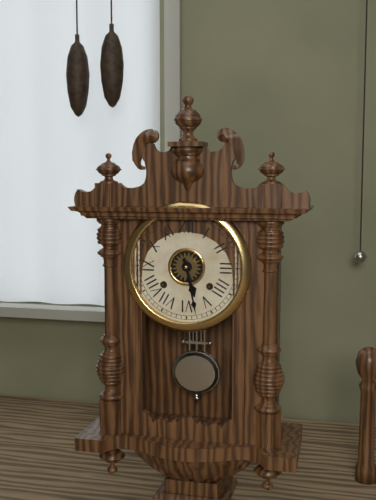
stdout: 5 h 28 min
